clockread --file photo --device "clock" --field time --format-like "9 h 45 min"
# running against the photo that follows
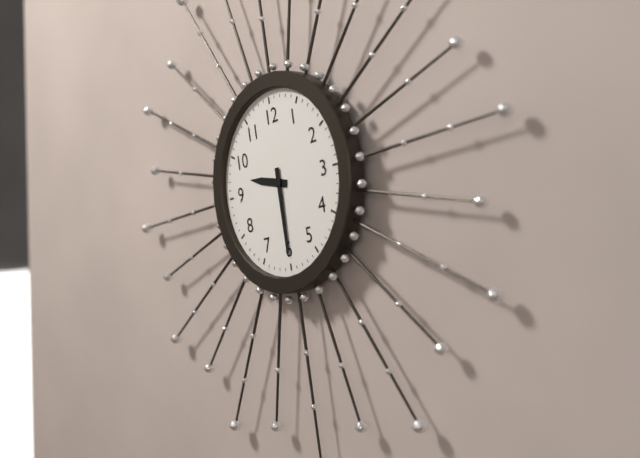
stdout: 9 h 30 min
